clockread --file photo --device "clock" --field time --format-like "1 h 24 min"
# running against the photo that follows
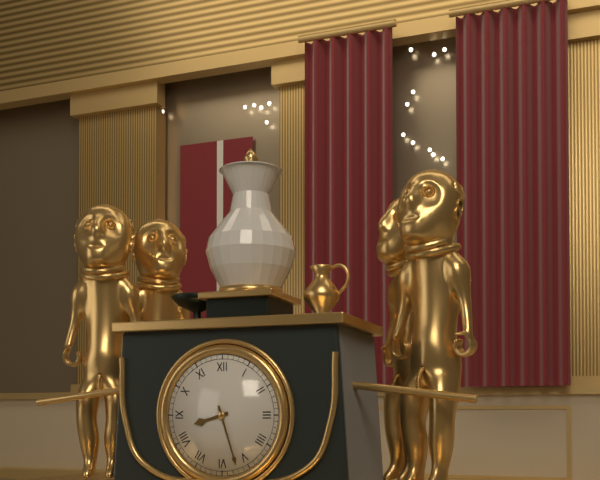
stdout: 8 h 27 min
